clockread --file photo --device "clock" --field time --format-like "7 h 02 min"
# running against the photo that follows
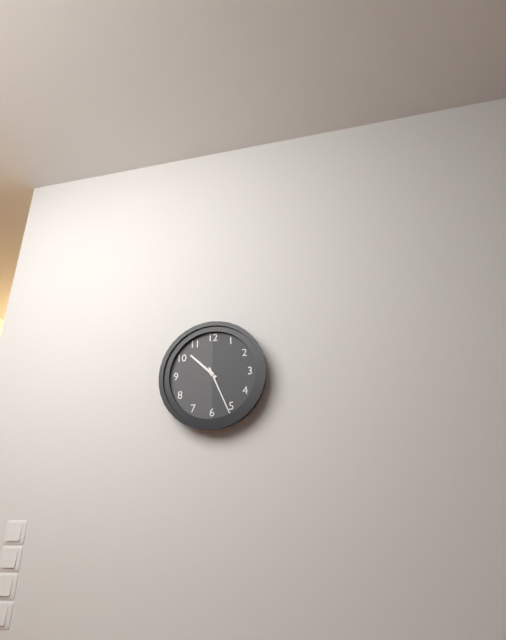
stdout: 10 h 26 min
